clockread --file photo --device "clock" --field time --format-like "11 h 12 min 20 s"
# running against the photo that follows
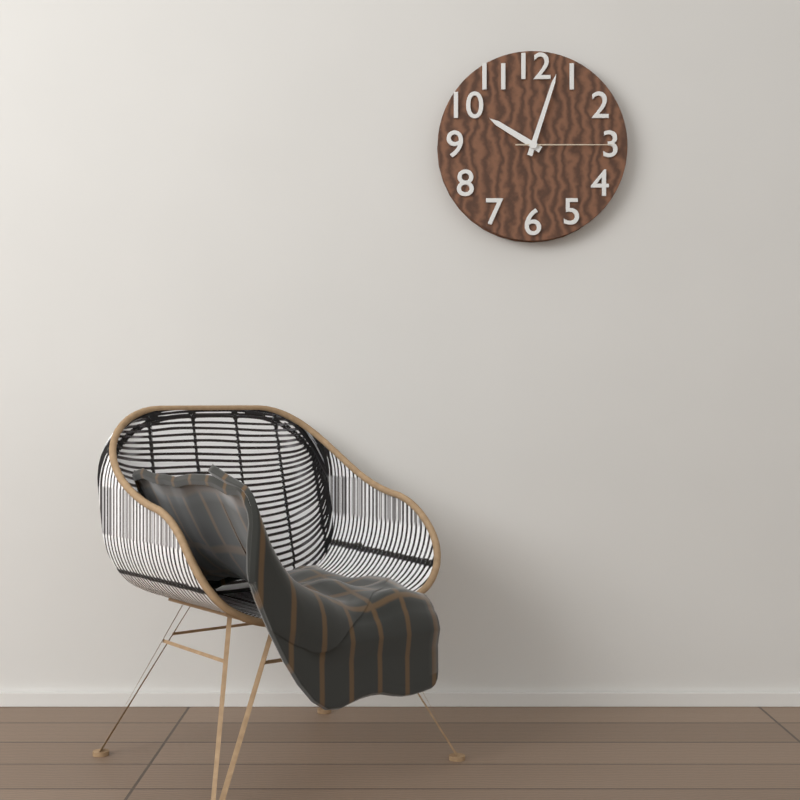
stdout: 10 h 03 min 15 s
